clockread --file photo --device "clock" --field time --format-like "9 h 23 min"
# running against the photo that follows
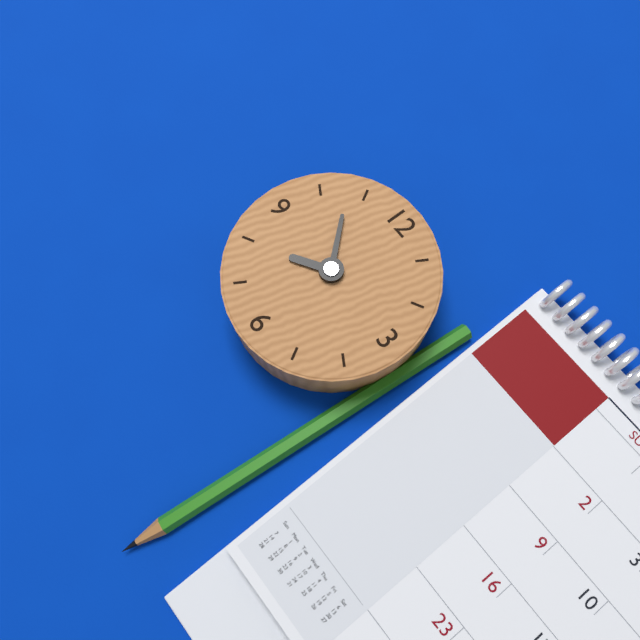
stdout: 7 h 53 min
